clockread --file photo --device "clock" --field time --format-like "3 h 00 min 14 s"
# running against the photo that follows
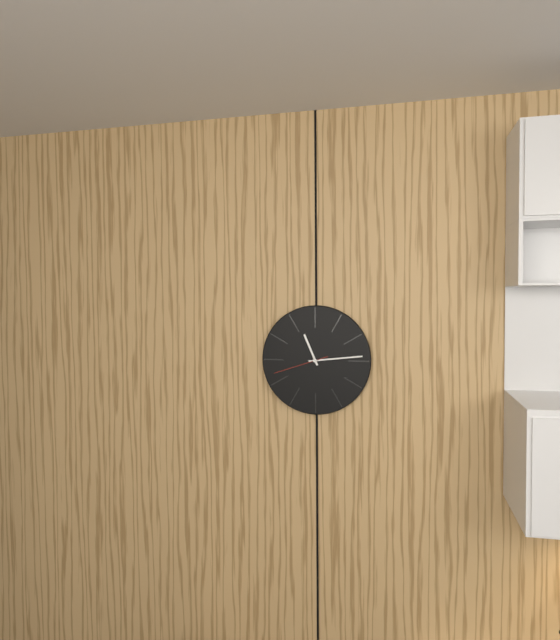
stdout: 11 h 14 min 42 s
